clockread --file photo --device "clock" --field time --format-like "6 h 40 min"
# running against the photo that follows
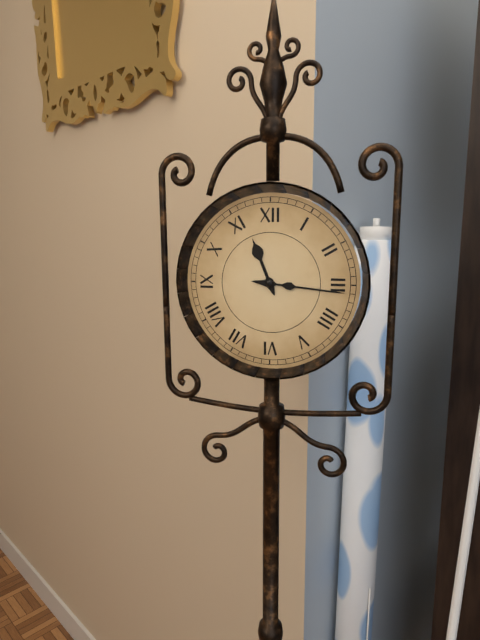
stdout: 11 h 16 min
